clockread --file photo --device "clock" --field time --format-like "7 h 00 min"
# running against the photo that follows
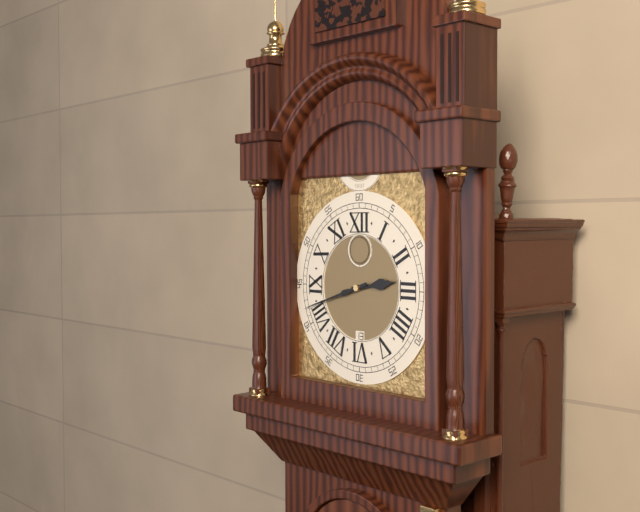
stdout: 2 h 42 min
